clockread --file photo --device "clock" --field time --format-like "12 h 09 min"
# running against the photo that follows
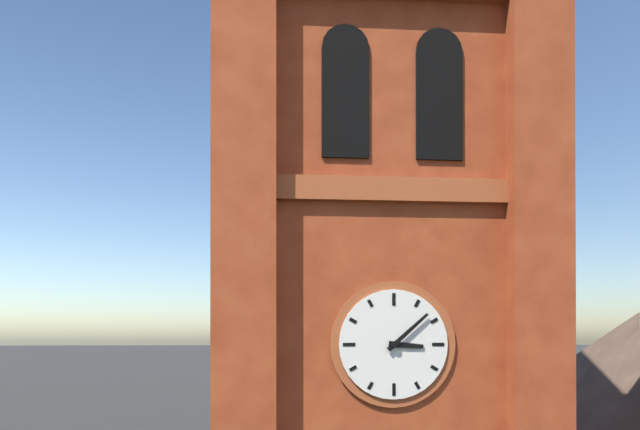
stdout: 3 h 08 min
